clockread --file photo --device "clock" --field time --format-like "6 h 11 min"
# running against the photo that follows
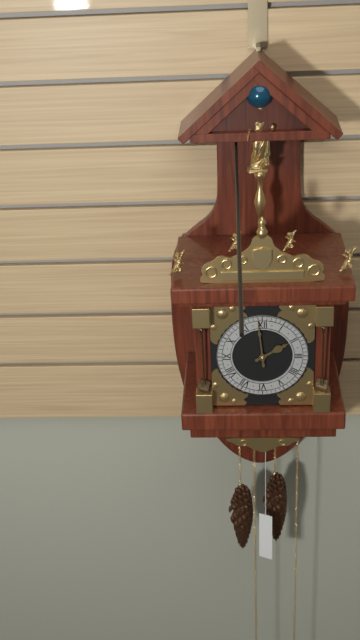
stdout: 1 h 59 min
